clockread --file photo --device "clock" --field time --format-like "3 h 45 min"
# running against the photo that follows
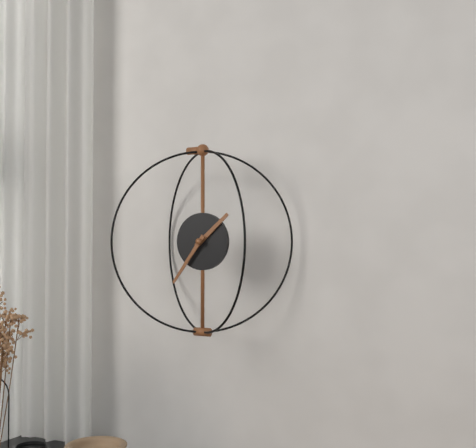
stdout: 1 h 36 min
